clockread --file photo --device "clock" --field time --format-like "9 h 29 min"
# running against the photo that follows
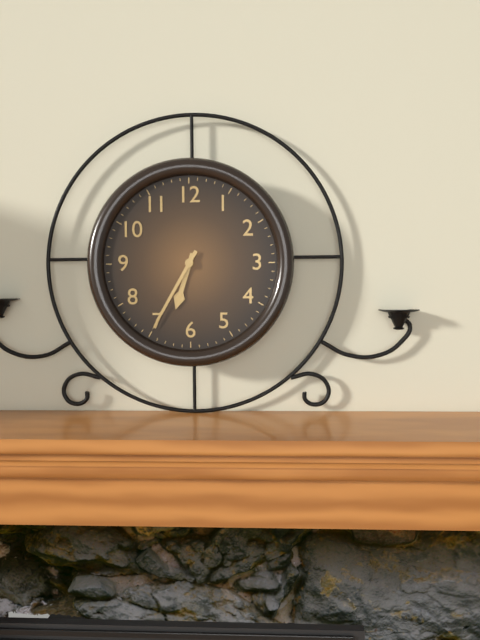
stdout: 6 h 35 min
